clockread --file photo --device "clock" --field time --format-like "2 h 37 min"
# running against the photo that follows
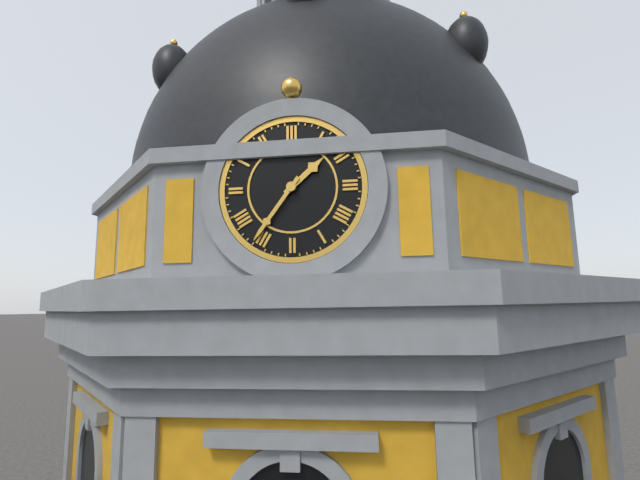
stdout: 1 h 36 min
